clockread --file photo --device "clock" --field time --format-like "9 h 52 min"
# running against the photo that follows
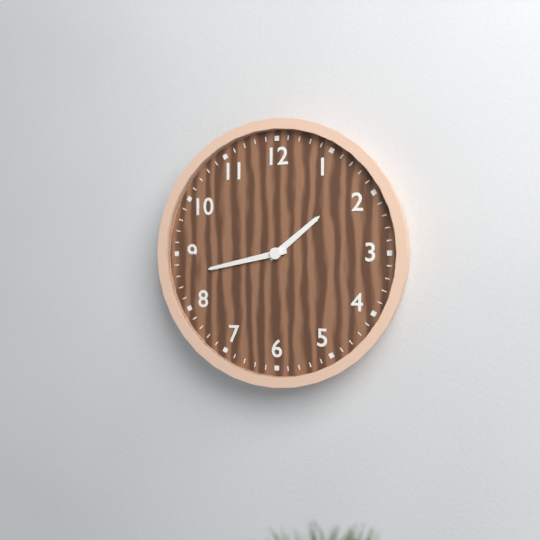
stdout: 1 h 43 min
